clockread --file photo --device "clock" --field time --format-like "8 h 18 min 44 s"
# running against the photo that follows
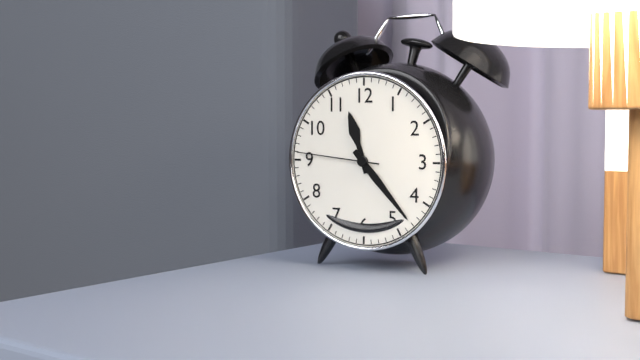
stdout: 11 h 23 min 46 s
